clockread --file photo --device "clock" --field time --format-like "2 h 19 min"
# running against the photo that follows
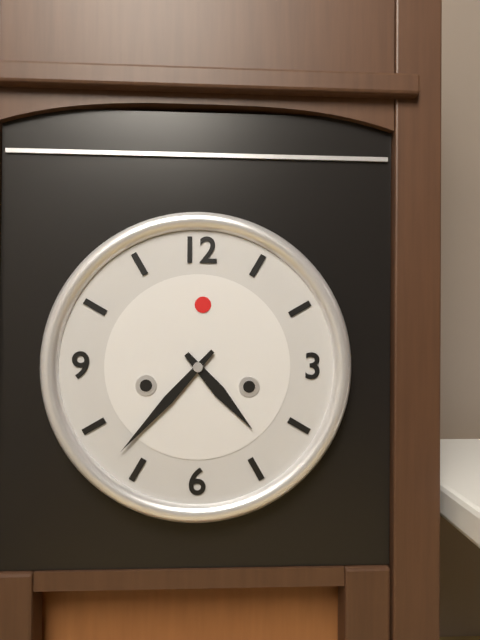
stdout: 4 h 37 min
